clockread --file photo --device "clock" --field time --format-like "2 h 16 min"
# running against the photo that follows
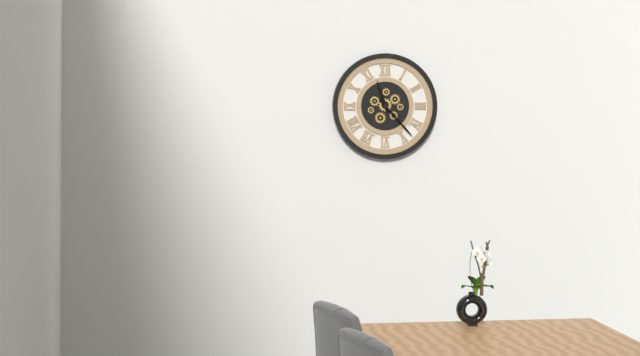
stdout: 11 h 23 min
